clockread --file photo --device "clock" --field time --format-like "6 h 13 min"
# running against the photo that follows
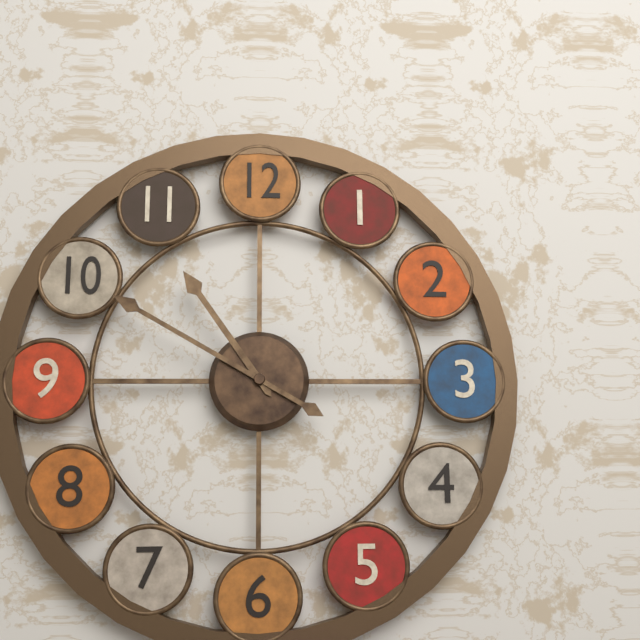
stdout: 10 h 50 min
